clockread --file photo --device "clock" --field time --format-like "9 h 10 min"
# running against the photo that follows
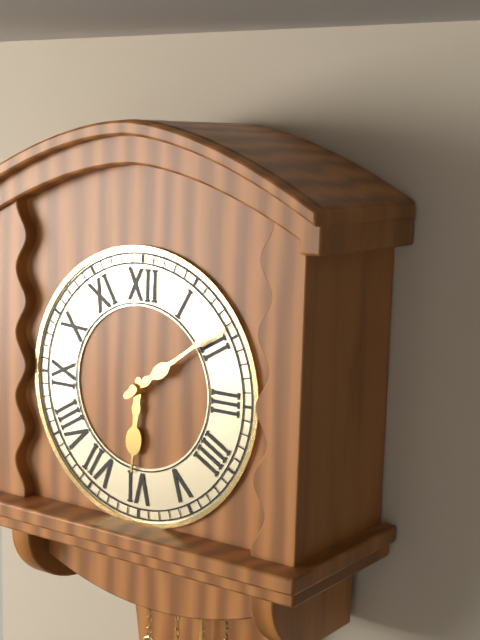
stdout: 6 h 09 min
